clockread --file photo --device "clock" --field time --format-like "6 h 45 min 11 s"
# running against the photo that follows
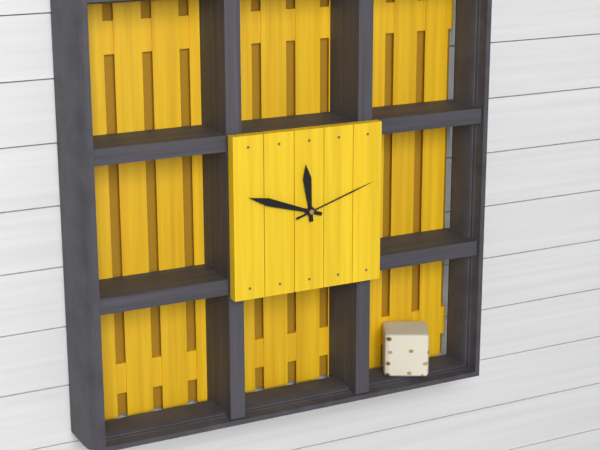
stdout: 11 h 48 min 12 s
